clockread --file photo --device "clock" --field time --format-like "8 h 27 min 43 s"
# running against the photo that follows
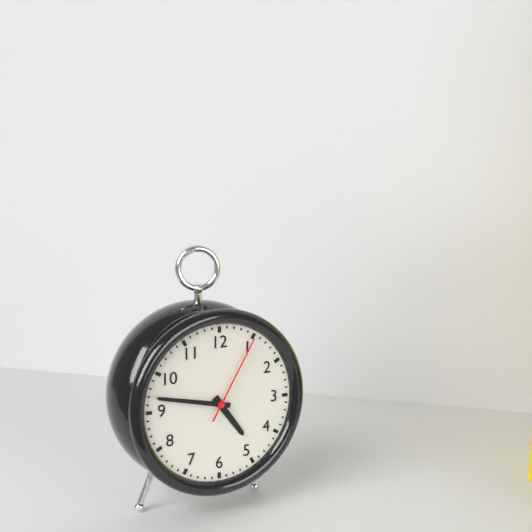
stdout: 4 h 47 min 05 s
